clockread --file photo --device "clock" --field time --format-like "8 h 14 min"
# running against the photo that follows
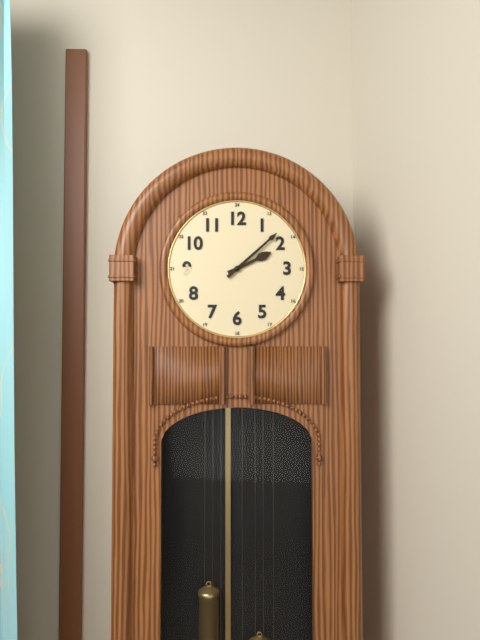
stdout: 2 h 08 min
